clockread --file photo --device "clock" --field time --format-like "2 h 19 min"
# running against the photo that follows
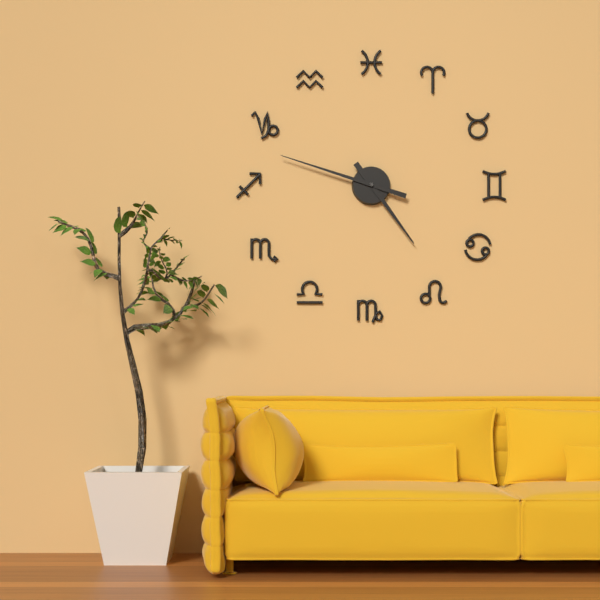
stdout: 4 h 48 min
